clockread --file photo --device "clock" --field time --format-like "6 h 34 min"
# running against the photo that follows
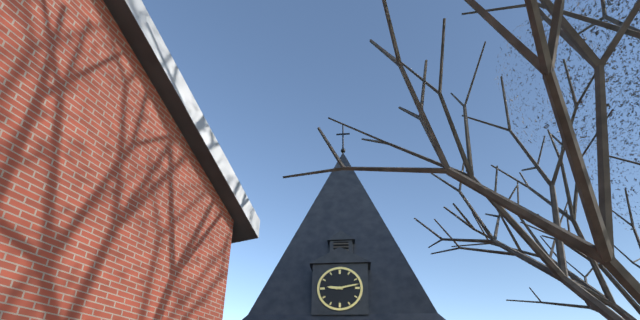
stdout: 9 h 13 min
